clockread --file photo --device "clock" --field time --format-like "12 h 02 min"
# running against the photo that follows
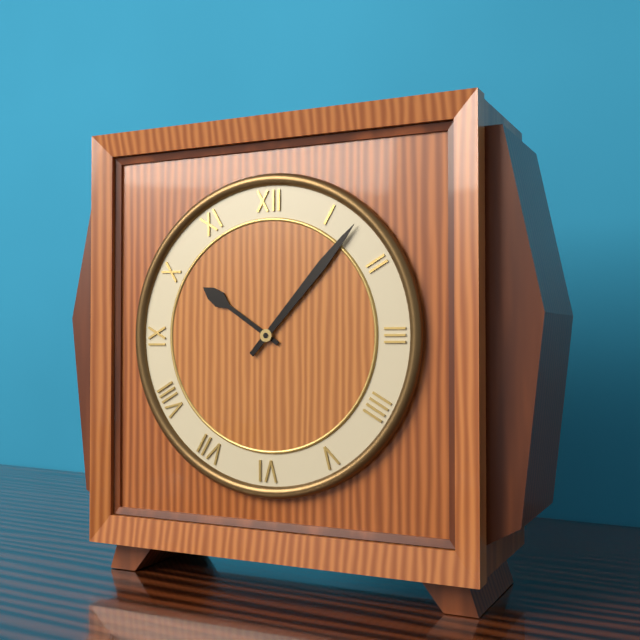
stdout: 10 h 07 min
